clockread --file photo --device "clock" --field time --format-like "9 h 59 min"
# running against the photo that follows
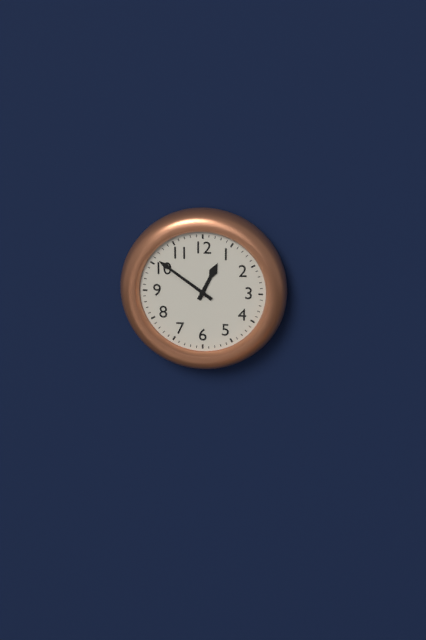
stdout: 12 h 51 min
